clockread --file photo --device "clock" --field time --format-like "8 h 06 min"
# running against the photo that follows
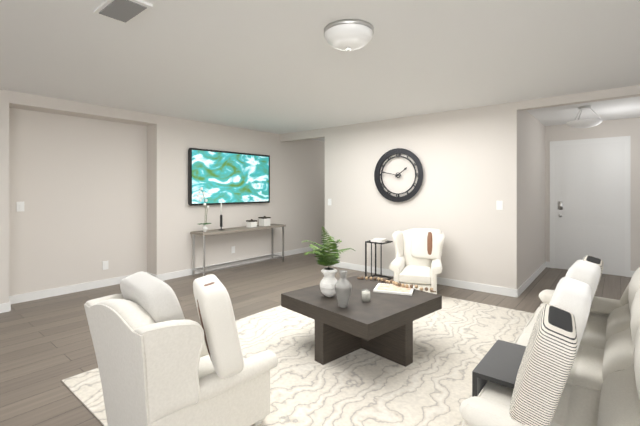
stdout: 1 h 47 min
